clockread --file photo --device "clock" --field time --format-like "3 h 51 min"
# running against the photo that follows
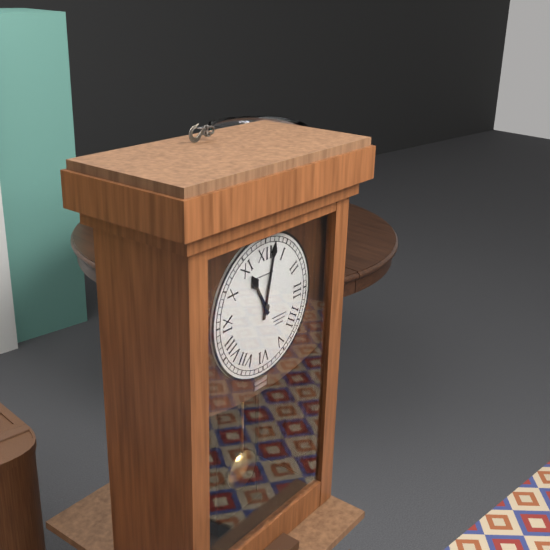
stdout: 11 h 02 min
